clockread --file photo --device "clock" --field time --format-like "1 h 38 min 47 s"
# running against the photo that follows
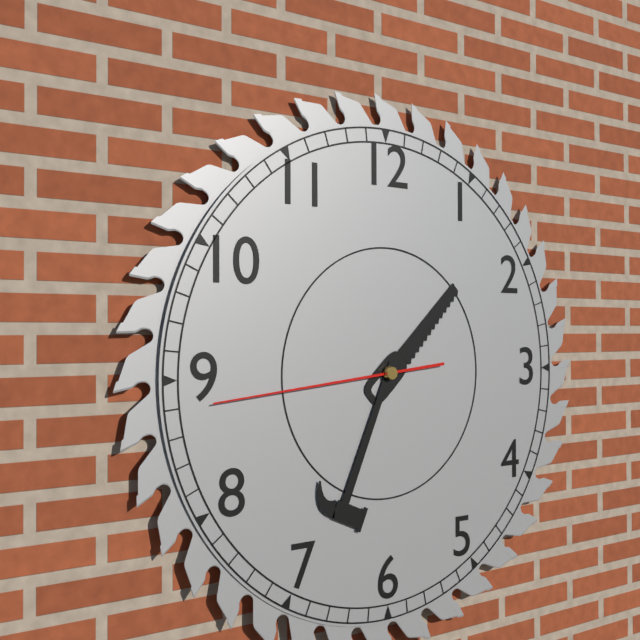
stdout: 1 h 34 min 44 s
